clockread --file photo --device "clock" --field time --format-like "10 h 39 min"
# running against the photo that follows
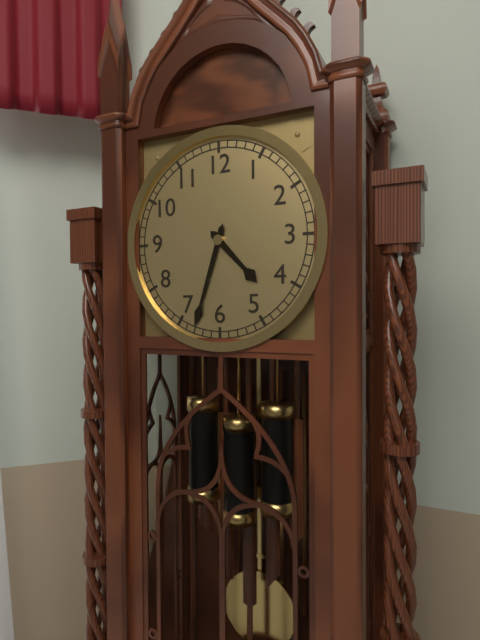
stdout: 4 h 33 min
